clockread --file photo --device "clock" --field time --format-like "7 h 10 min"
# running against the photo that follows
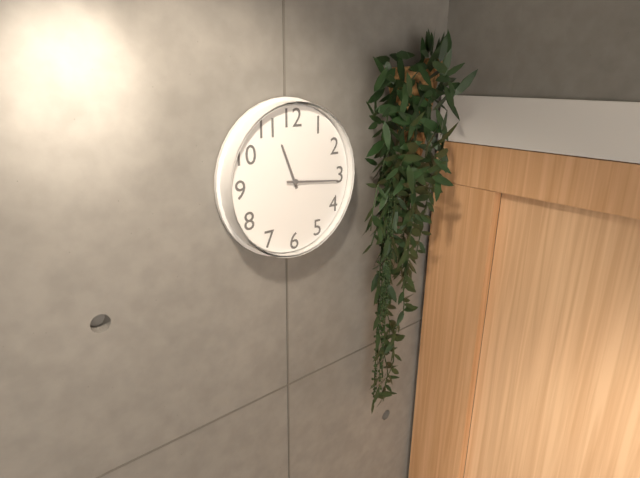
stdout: 11 h 16 min
